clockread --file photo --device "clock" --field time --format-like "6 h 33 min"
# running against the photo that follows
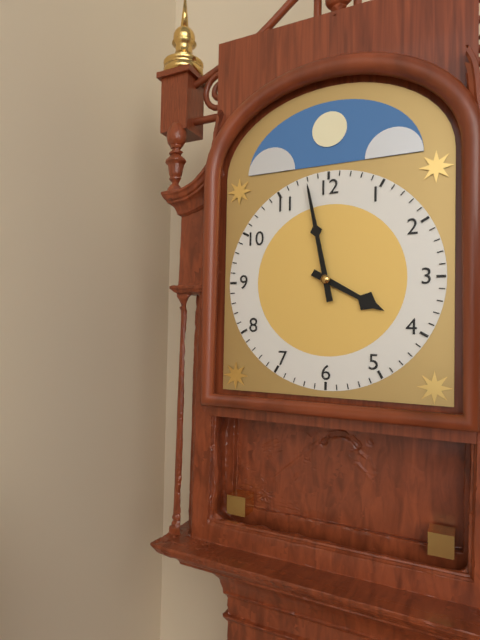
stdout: 3 h 58 min
